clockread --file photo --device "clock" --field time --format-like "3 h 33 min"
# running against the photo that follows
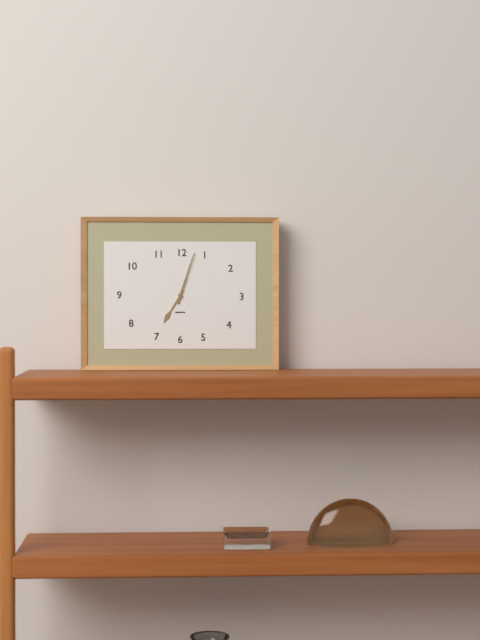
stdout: 7 h 03 min
